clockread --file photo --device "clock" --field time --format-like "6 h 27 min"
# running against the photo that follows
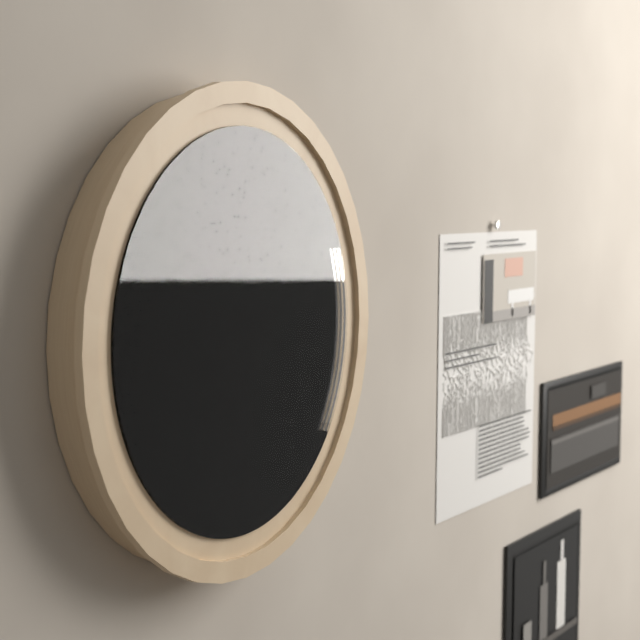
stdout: 11 h 24 min
